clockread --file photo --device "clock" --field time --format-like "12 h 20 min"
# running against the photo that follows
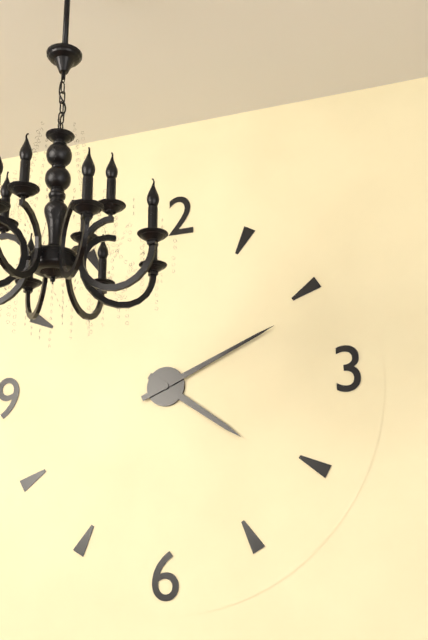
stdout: 4 h 11 min
